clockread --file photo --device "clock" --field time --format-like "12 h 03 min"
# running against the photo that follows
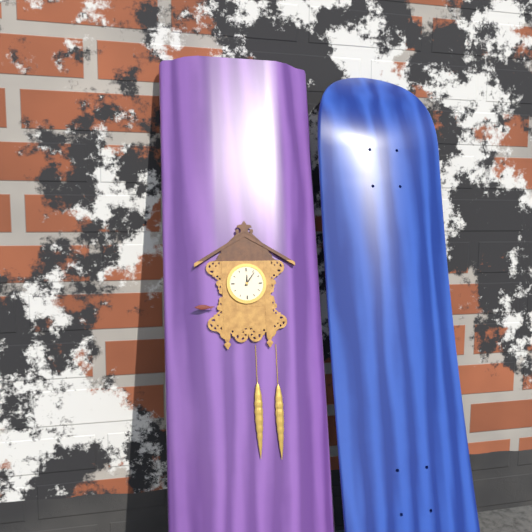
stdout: 12 h 06 min
